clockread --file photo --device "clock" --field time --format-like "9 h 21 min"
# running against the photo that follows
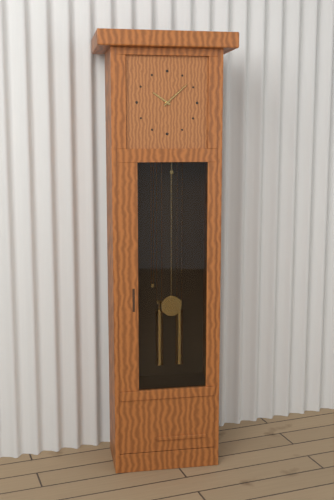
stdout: 10 h 08 min
